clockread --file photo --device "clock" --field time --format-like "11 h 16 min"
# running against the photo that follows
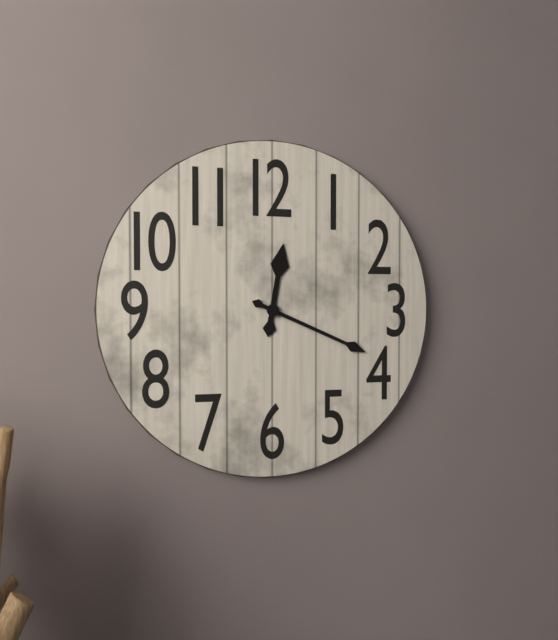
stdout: 12 h 19 min
